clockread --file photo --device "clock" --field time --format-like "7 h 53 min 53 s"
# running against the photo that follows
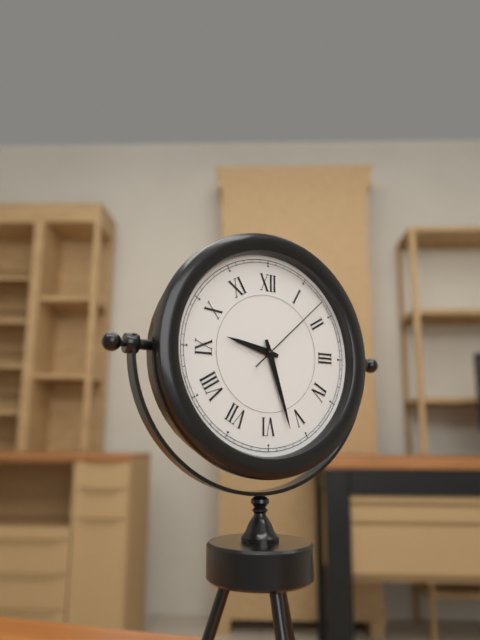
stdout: 9 h 27 min 08 s
